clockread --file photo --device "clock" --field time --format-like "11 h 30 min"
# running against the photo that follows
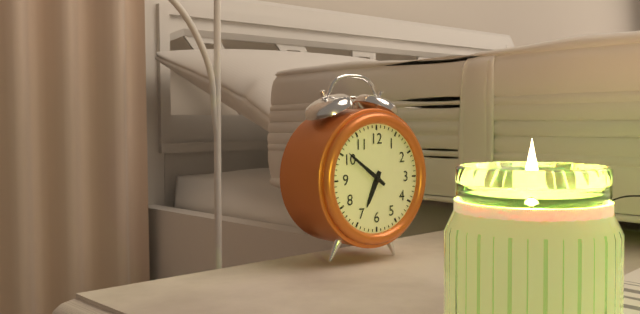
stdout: 6 h 51 min
